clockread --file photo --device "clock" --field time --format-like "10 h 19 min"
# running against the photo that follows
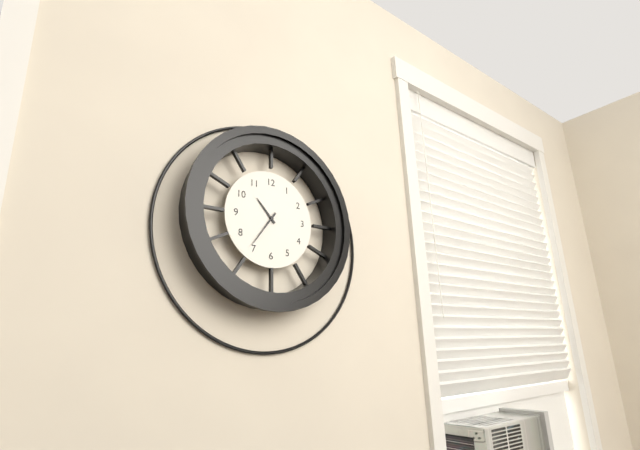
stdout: 10 h 36 min
